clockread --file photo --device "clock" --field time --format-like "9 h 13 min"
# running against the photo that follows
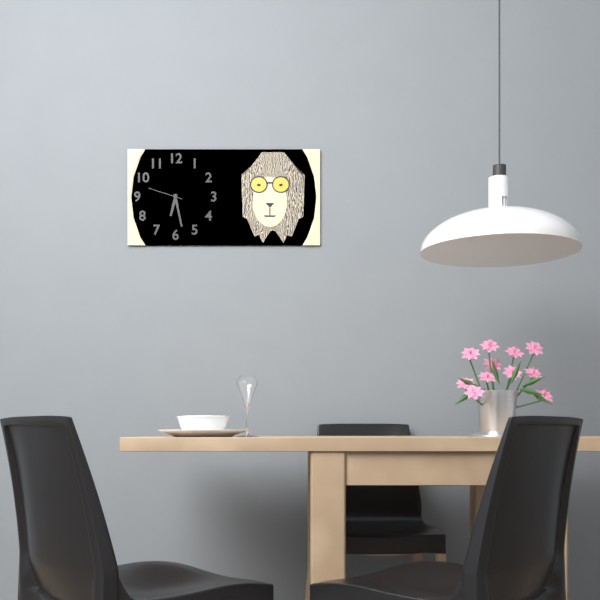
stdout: 6 h 28 min
